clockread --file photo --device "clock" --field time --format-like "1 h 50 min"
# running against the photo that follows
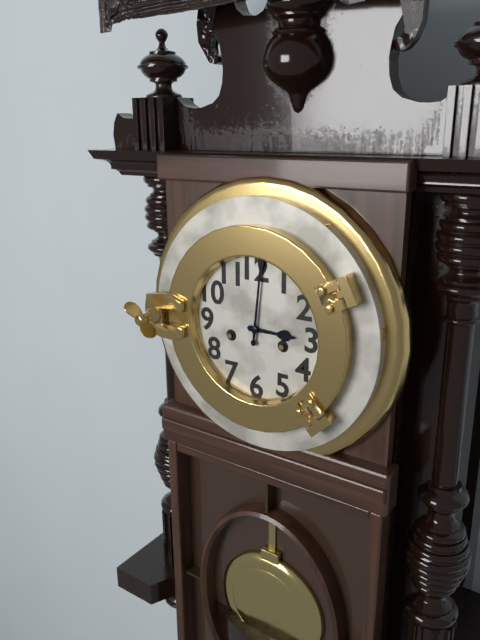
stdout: 3 h 01 min
